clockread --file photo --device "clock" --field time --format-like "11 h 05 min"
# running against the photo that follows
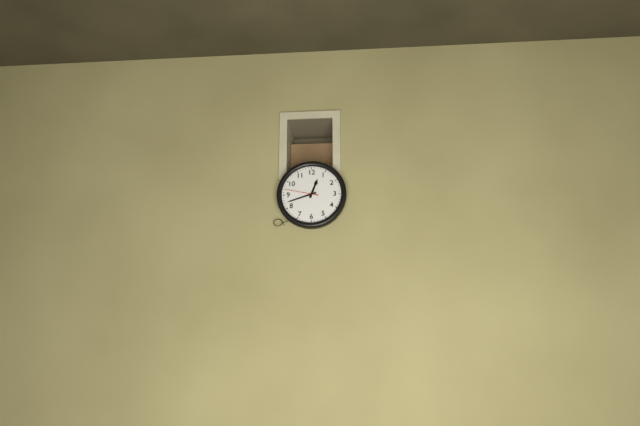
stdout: 12 h 42 min
